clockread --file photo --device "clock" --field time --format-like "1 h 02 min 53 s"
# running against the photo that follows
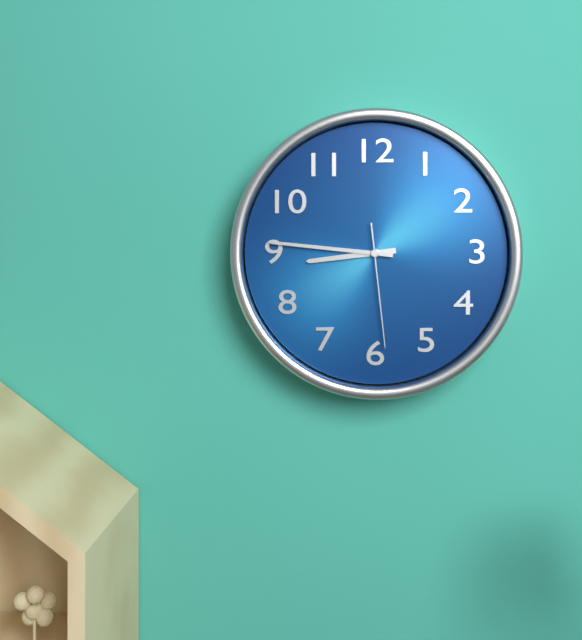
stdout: 8 h 46 min 29 s
